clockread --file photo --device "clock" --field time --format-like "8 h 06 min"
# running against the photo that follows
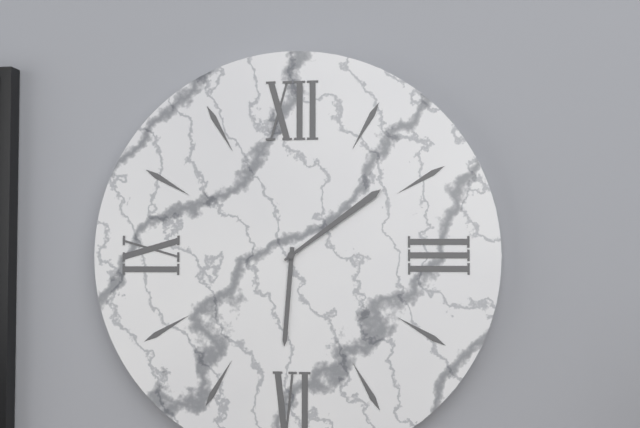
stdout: 6 h 09 min
